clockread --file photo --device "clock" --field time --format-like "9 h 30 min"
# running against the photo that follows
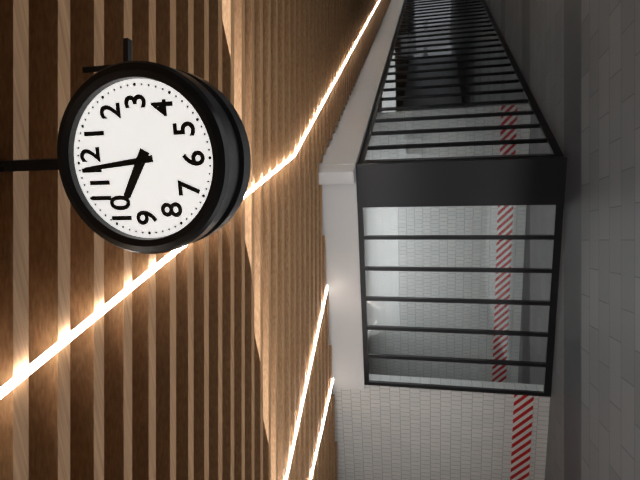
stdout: 9 h 59 min
